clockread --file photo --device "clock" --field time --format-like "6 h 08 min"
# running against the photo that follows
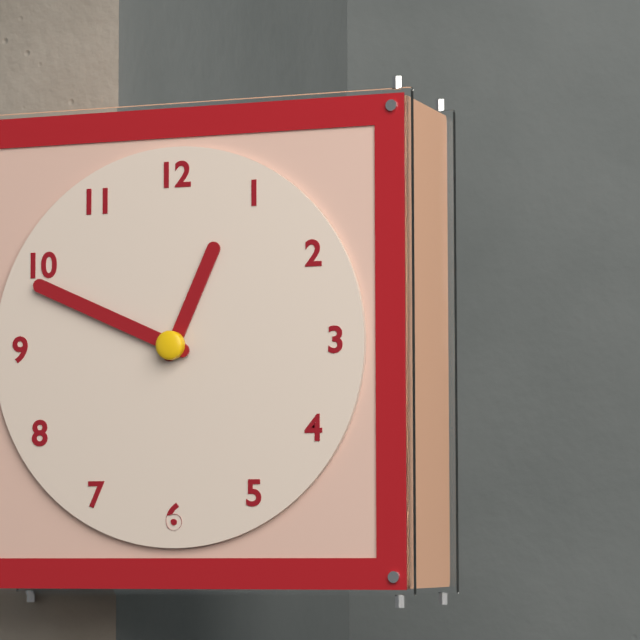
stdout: 12 h 49 min
